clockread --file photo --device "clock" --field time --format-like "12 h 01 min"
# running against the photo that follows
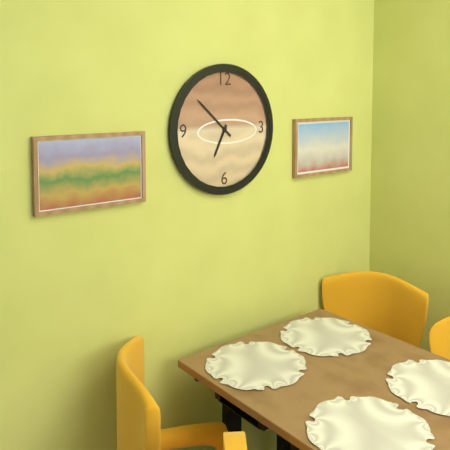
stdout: 6 h 52 min
